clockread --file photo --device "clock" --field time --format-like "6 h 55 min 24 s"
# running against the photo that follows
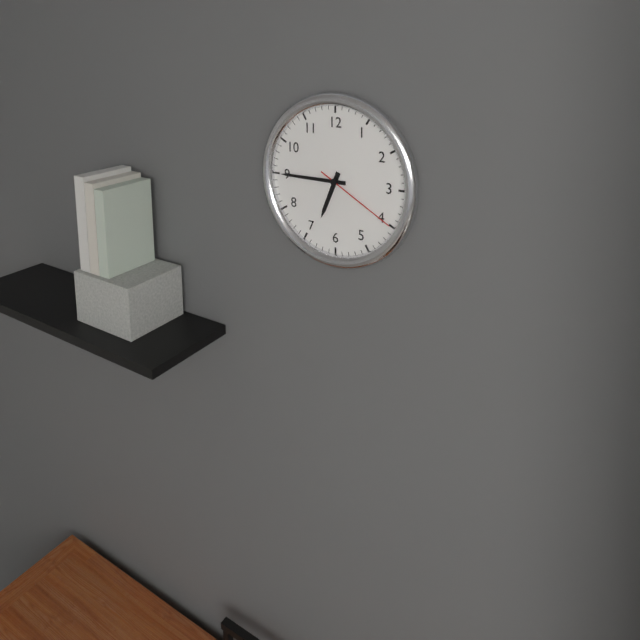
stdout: 6 h 45 min 20 s
